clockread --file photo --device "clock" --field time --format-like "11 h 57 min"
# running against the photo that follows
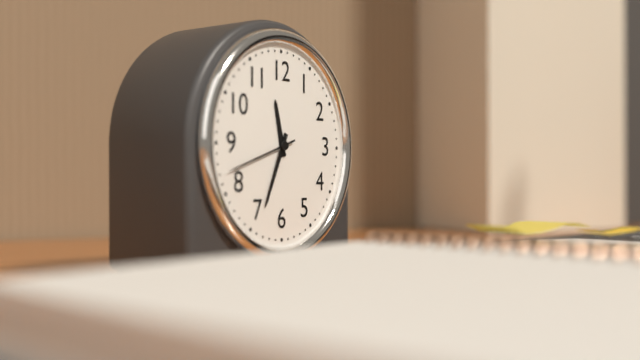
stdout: 11 h 34 min
